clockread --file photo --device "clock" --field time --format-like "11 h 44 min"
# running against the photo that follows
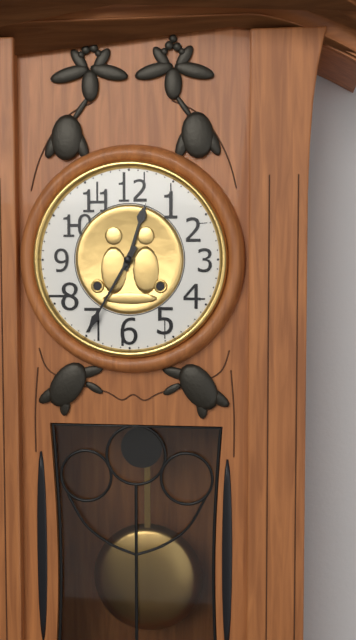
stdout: 12 h 35 min
